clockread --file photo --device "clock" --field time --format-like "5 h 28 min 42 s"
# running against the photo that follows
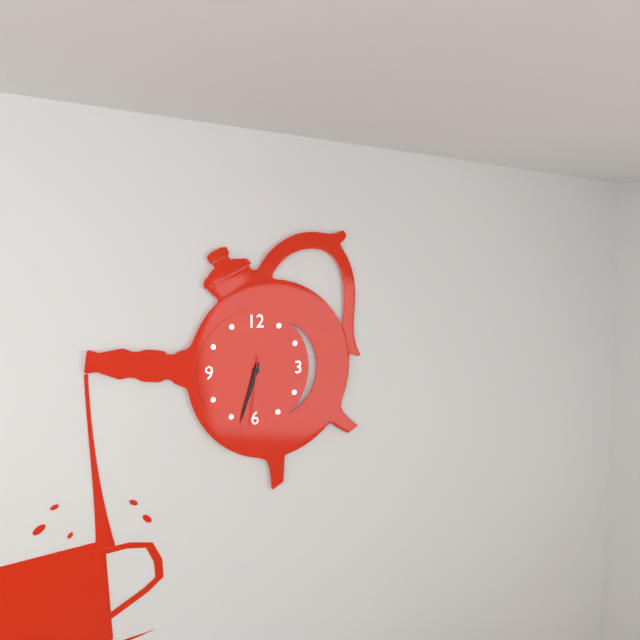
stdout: 6 h 33 min 31 s
